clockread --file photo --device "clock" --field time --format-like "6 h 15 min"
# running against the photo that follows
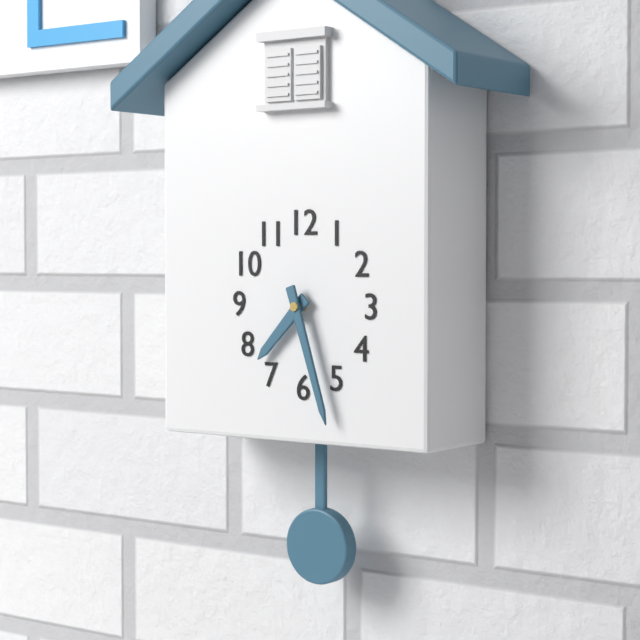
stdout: 7 h 27 min
